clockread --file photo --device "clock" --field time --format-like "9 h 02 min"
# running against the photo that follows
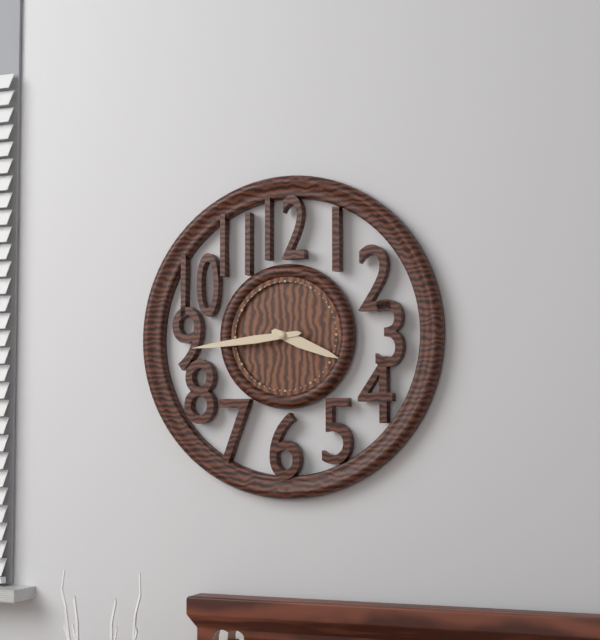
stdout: 3 h 44 min
